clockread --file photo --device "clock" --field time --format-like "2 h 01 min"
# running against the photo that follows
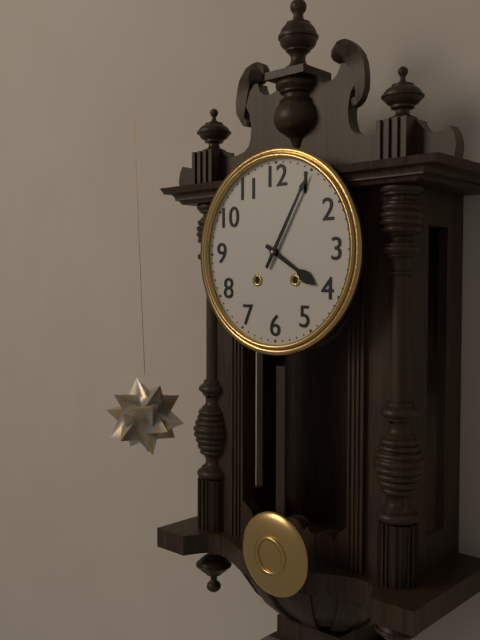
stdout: 4 h 05 min
